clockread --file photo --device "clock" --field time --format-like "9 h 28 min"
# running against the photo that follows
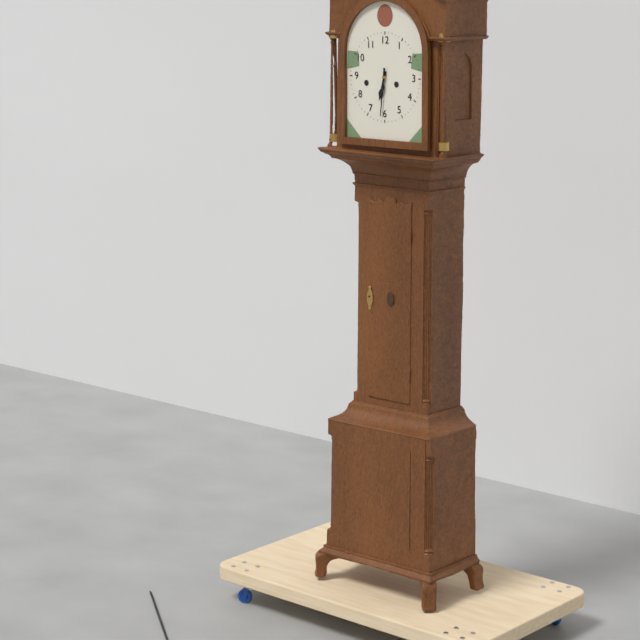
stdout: 6 h 31 min
